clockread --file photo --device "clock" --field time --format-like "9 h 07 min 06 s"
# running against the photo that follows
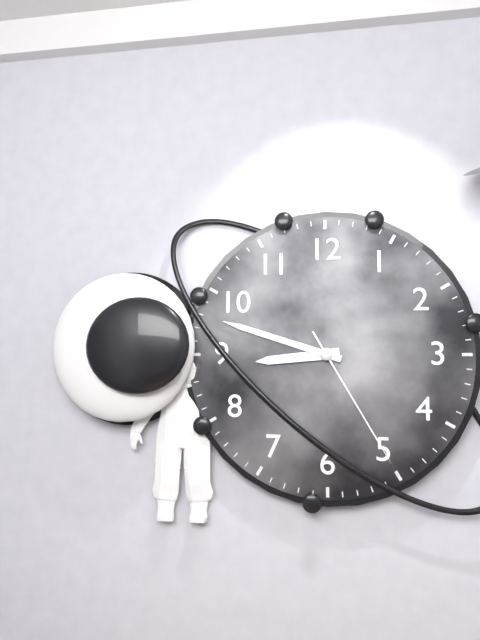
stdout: 8 h 48 min 25 s
